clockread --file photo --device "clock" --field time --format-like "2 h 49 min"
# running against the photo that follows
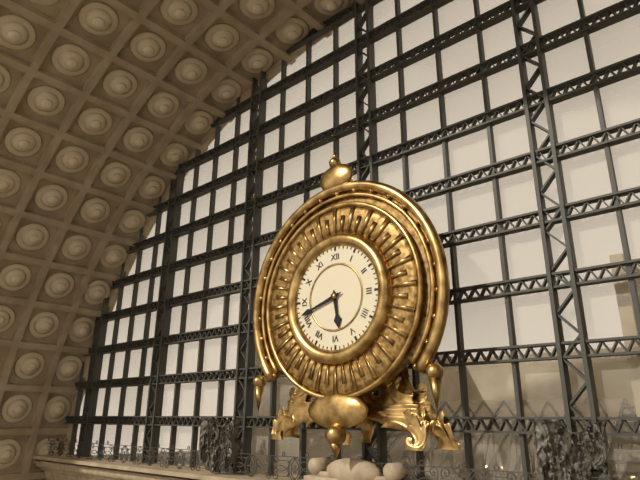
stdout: 5 h 42 min
